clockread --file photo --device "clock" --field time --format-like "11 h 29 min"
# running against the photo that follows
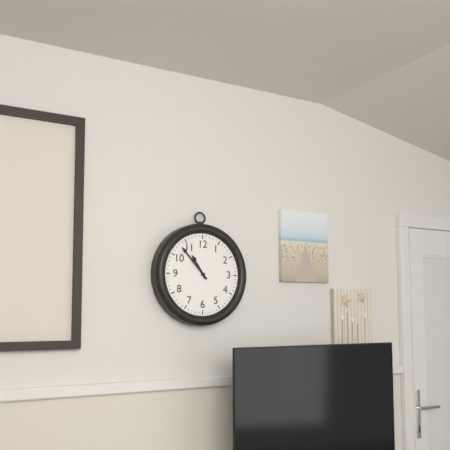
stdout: 10 h 53 min
